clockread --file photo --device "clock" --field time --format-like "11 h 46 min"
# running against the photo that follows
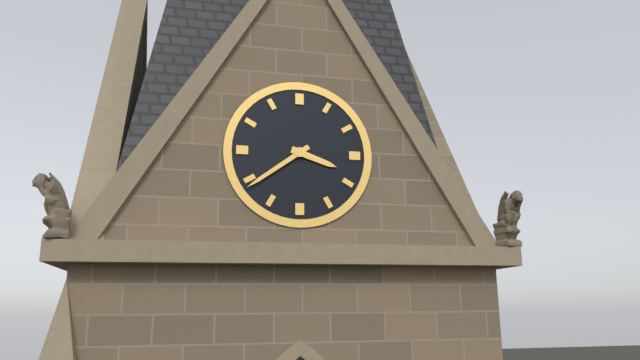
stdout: 3 h 39 min
